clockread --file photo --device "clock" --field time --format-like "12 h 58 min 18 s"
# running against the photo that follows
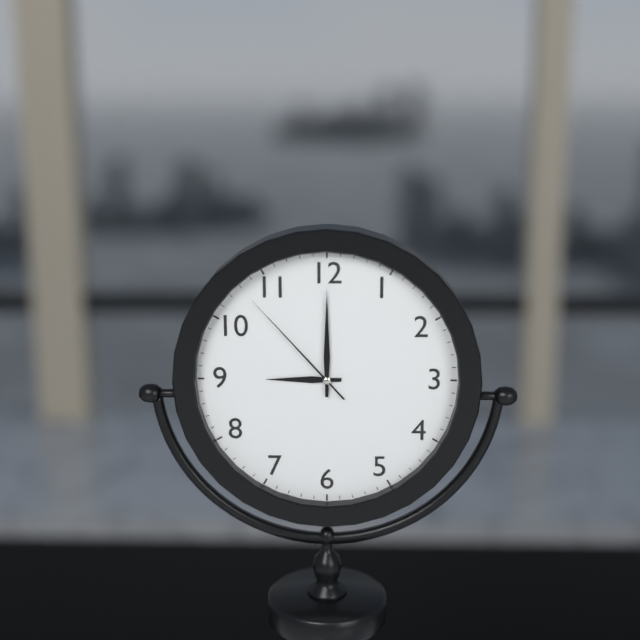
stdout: 9 h 00 min 53 s
